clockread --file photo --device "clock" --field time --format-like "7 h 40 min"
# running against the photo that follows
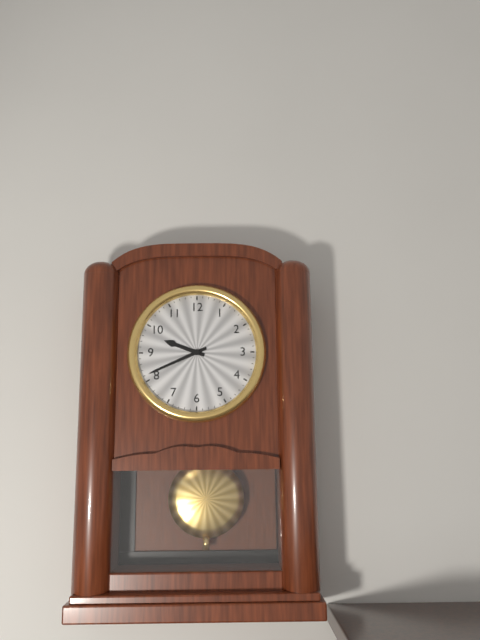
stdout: 9 h 41 min
